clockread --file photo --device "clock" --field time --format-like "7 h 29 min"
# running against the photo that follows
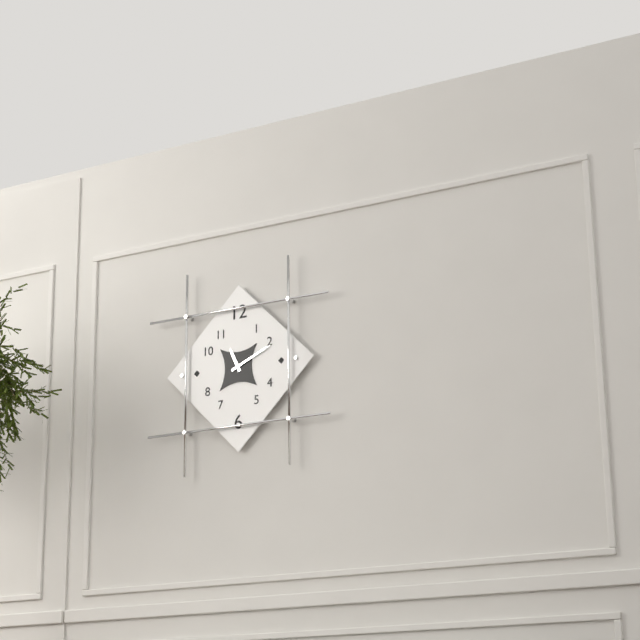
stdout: 11 h 11 min
